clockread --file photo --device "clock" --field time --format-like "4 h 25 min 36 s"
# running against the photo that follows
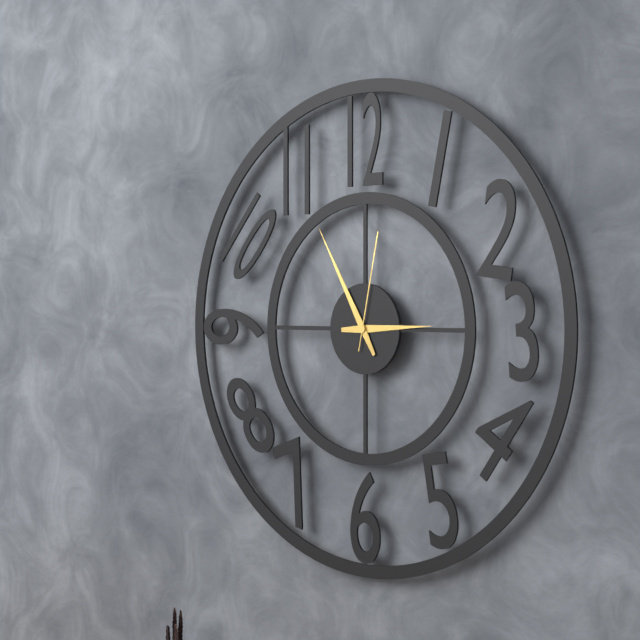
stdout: 2 h 55 min 02 s
